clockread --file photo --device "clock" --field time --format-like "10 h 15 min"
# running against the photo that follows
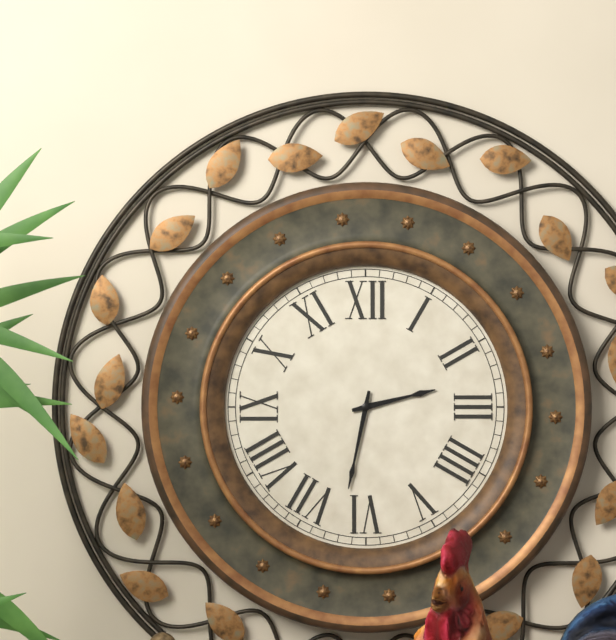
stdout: 2 h 32 min
